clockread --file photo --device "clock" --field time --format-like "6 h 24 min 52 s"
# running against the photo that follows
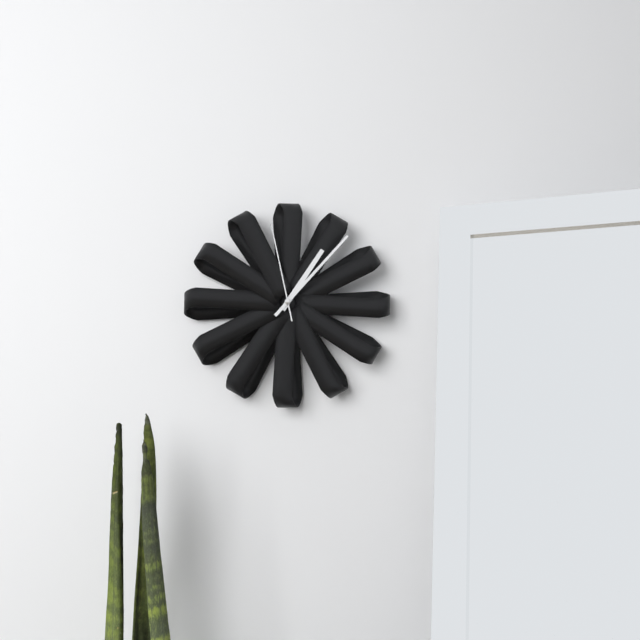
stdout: 1 h 07 min 58 s
